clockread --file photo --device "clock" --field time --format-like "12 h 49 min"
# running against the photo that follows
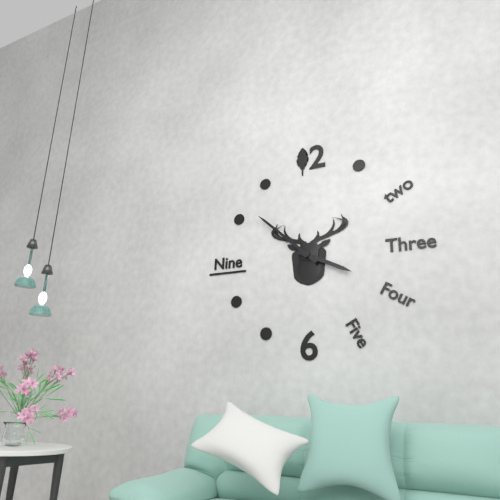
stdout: 3 h 52 min
